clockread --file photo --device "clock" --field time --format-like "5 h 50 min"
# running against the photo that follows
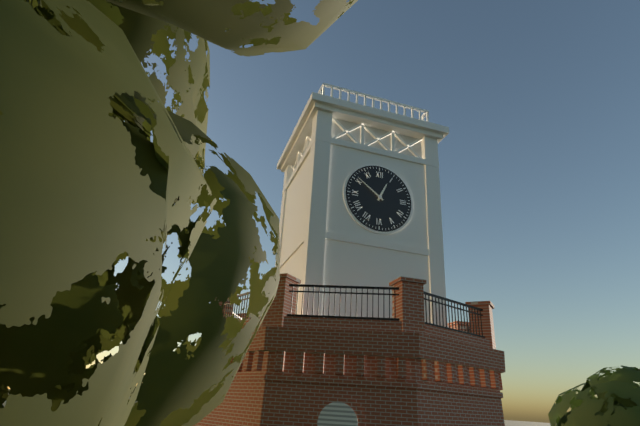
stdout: 12 h 51 min
